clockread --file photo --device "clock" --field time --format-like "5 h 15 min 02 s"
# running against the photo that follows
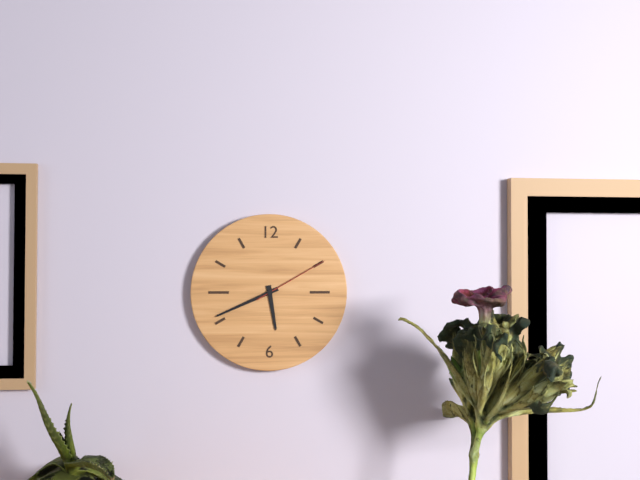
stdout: 5 h 41 min 10 s
